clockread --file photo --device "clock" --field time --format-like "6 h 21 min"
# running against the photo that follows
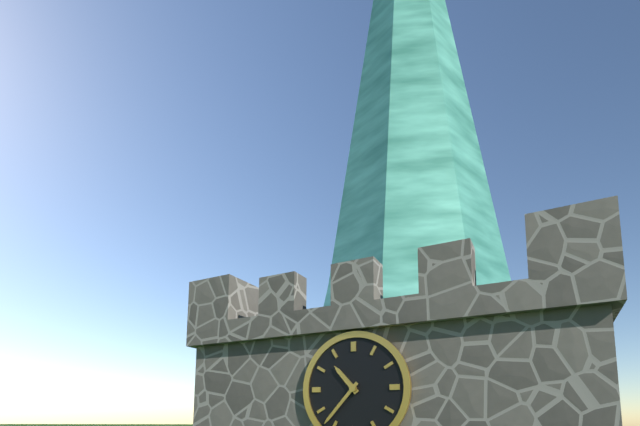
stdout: 10 h 37 min
